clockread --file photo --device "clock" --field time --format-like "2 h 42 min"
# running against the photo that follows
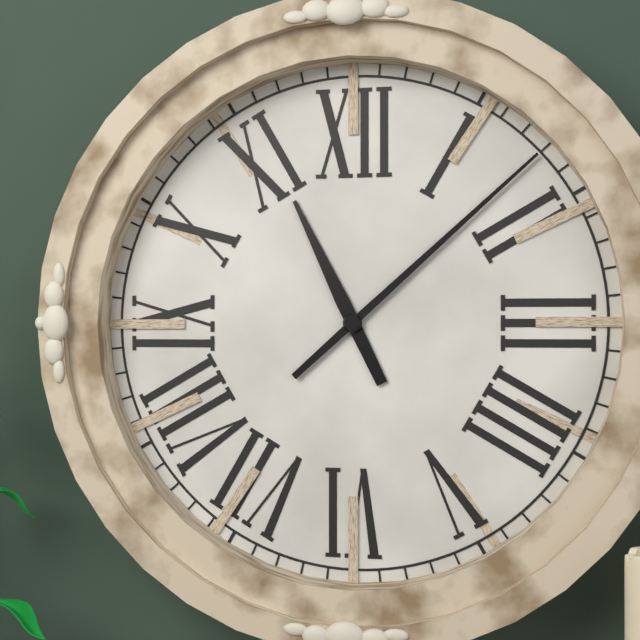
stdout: 11 h 08 min
